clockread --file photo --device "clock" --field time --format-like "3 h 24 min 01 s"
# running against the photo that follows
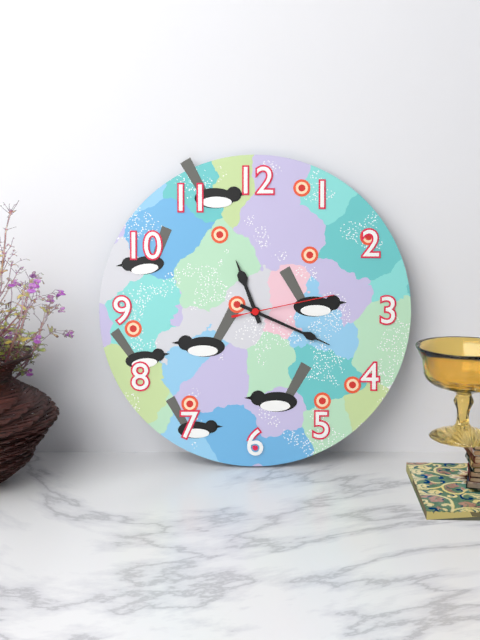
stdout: 11 h 19 min 13 s
